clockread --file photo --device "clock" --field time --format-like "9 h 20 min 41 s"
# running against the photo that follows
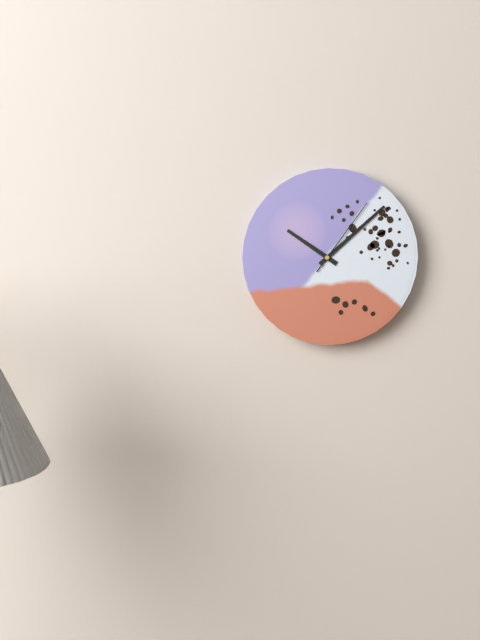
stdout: 10 h 08 min 06 s
